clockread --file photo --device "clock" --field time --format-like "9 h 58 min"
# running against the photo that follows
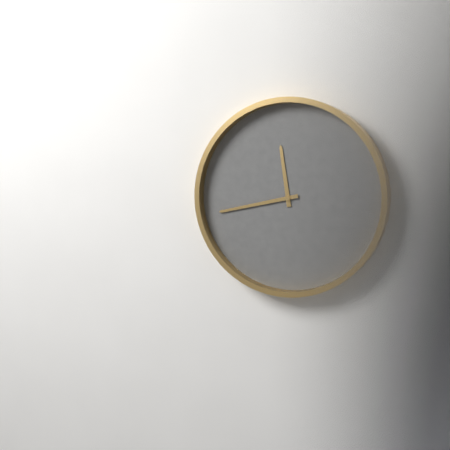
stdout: 11 h 43 min
